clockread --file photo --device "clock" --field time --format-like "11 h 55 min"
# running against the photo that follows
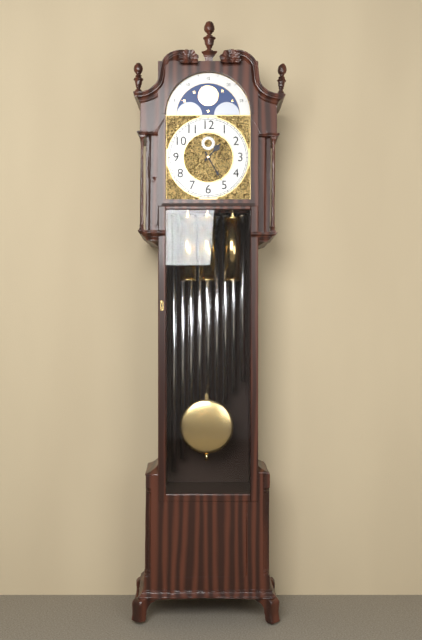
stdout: 1 h 25 min
